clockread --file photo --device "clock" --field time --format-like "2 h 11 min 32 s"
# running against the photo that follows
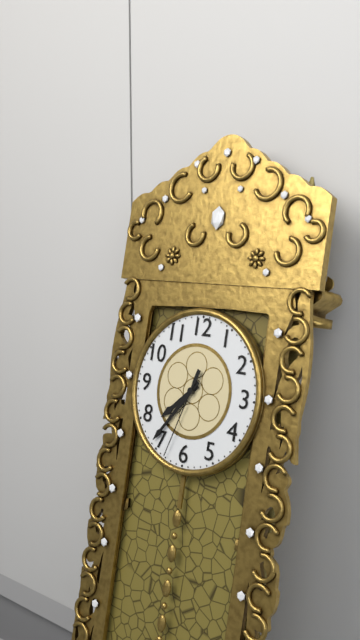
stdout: 7 h 36 min 33 s
